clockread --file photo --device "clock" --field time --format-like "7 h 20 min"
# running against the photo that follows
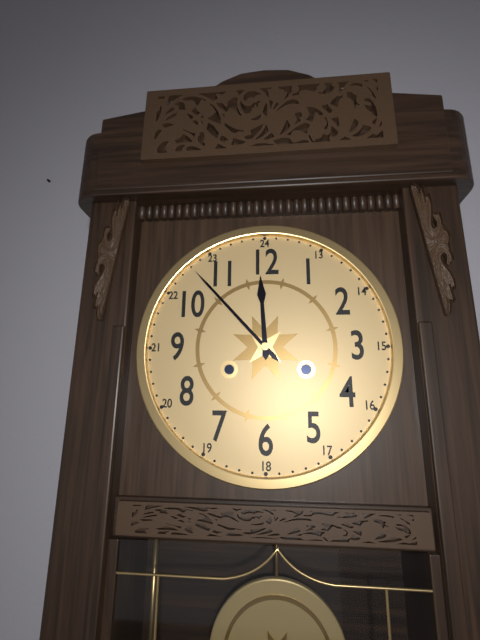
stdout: 11 h 53 min
